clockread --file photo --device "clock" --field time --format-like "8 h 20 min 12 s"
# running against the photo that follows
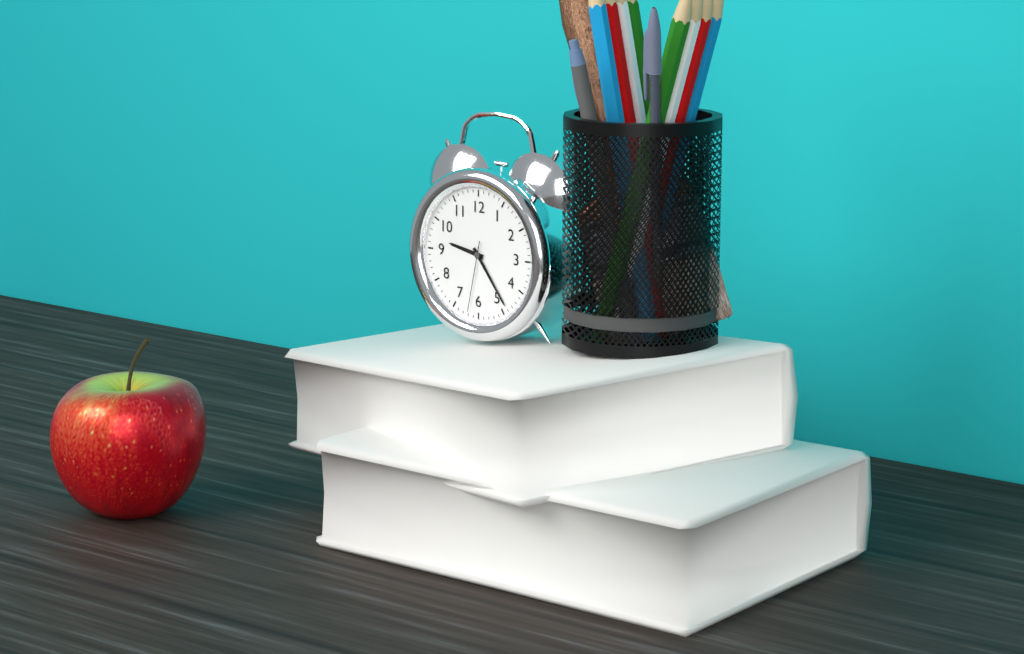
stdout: 9 h 24 min 32 s
